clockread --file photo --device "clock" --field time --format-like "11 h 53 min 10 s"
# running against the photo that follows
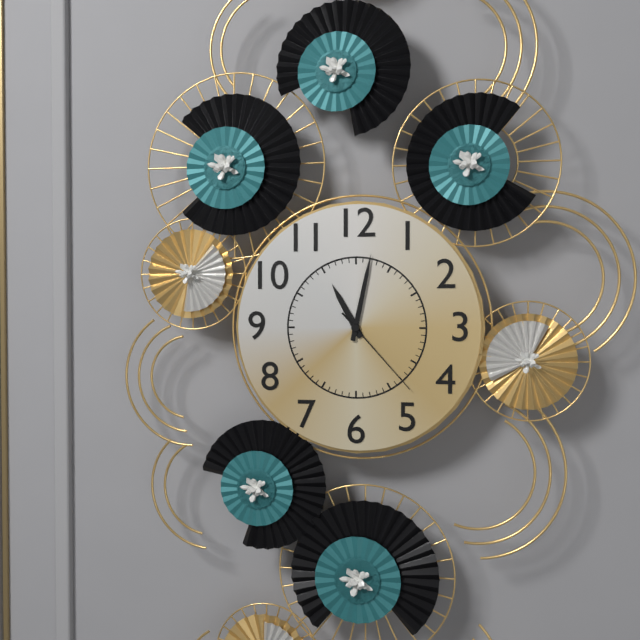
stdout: 11 h 02 min 23 s
